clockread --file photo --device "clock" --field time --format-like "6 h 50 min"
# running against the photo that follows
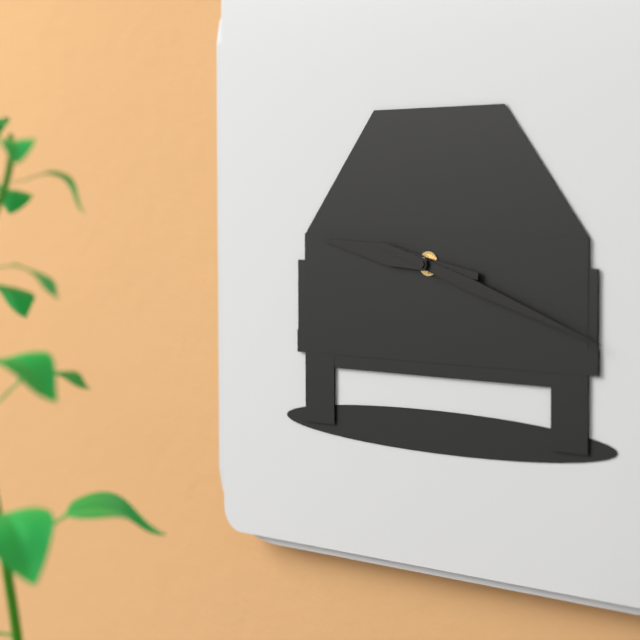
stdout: 9 h 18 min
